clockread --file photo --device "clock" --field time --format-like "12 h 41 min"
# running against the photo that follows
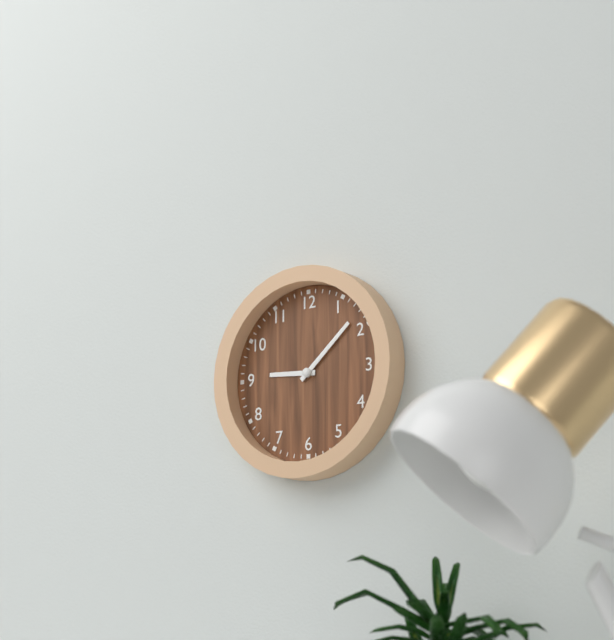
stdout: 9 h 08 min
